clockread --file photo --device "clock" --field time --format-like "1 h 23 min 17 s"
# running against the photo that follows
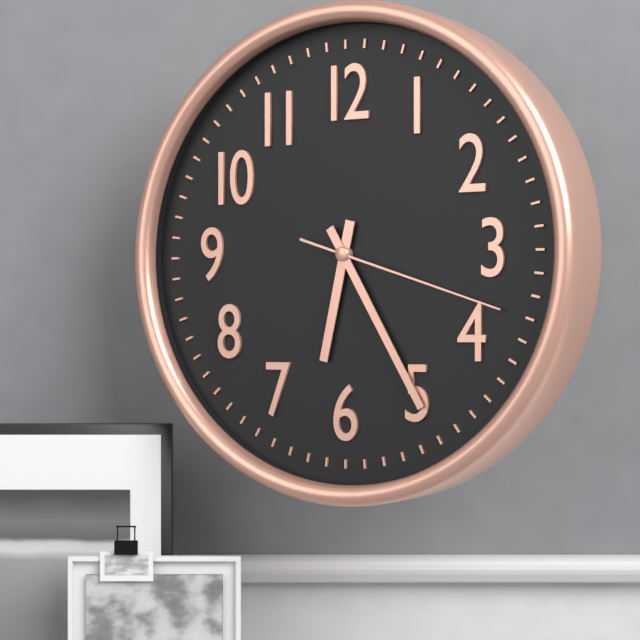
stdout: 6 h 25 min 18 s
